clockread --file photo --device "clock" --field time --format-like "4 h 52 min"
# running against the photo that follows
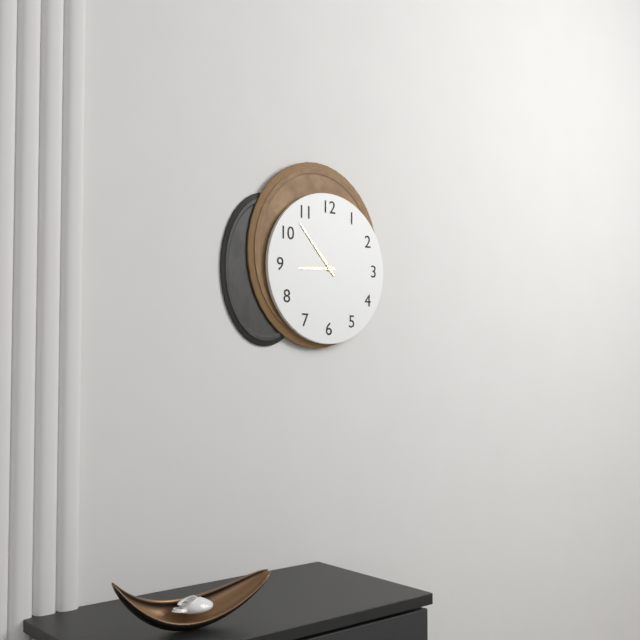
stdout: 8 h 53 min
